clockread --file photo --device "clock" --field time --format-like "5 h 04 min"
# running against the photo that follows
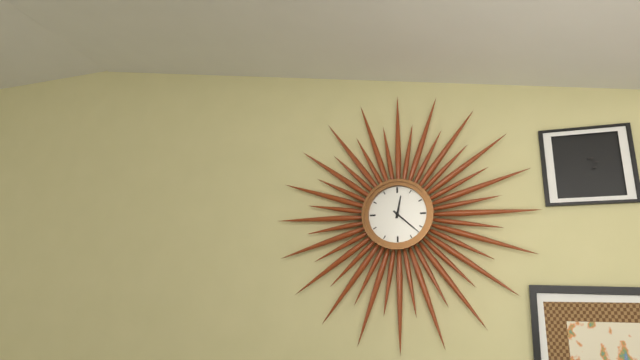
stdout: 12 h 22 min
